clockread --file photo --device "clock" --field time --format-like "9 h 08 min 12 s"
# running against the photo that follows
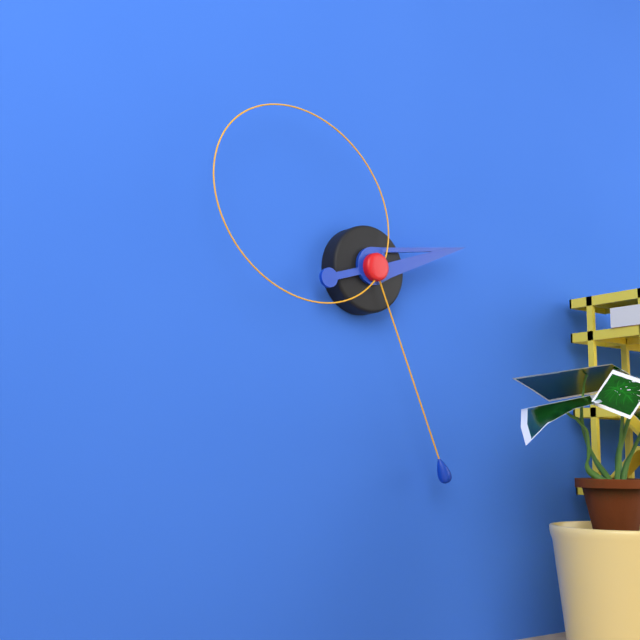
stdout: 2 h 26 min 50 s
